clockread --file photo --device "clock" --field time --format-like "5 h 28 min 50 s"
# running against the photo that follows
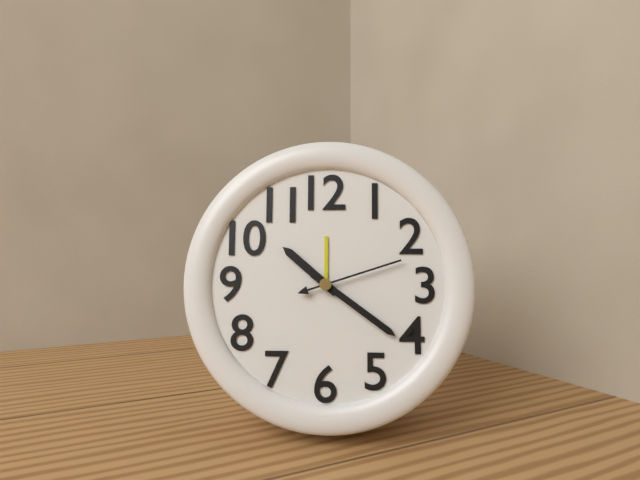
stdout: 10 h 21 min 12 s
